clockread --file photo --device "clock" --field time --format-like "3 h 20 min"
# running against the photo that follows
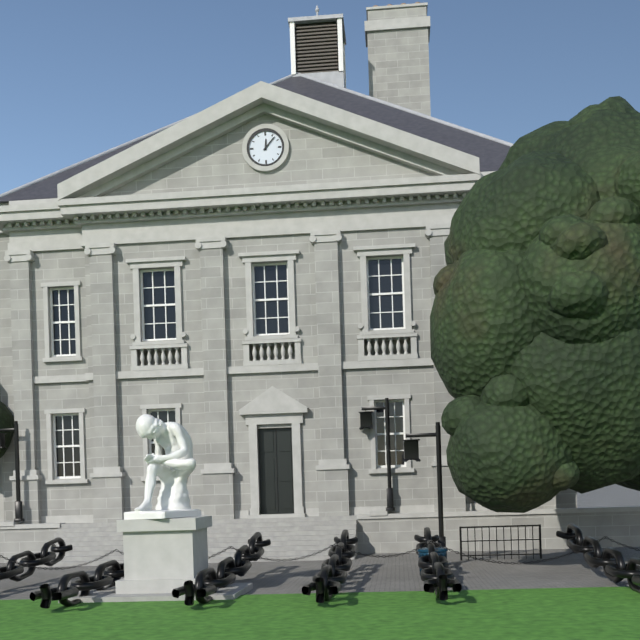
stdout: 12 h 07 min
